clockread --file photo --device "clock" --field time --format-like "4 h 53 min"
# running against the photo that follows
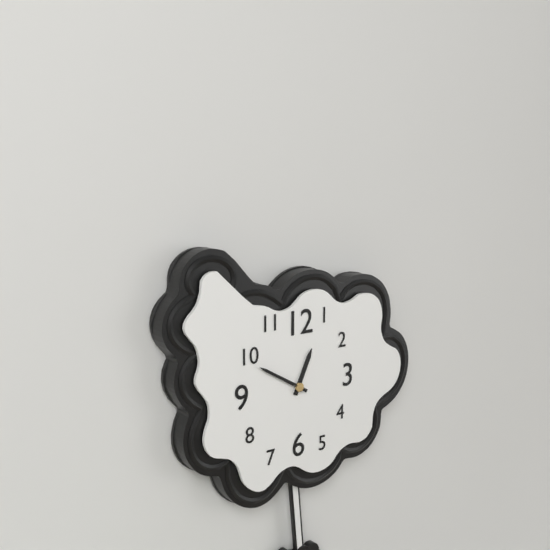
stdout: 12 h 50 min
